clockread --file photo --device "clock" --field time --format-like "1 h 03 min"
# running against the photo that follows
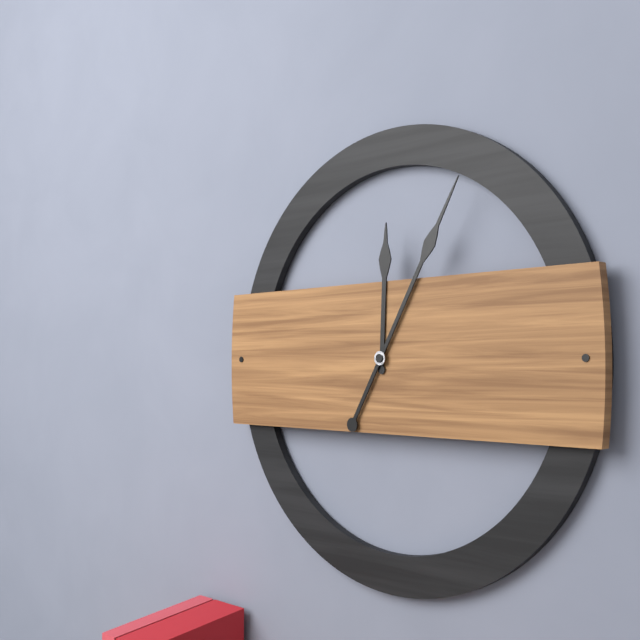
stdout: 12 h 05 min
